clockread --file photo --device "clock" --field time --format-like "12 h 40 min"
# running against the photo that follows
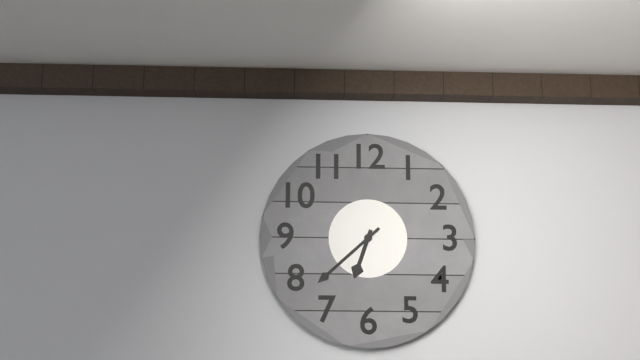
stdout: 6 h 38 min
